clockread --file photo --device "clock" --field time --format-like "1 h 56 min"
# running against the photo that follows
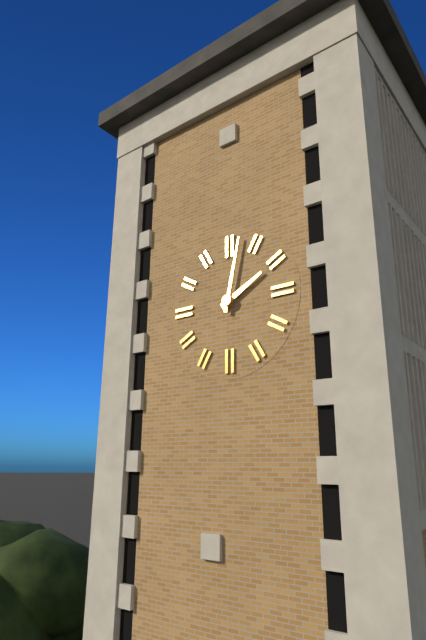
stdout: 2 h 02 min
